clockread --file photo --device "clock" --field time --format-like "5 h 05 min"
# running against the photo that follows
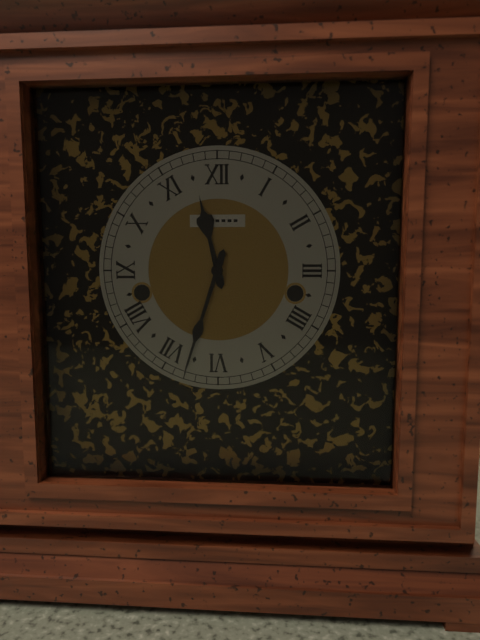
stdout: 11 h 33 min
